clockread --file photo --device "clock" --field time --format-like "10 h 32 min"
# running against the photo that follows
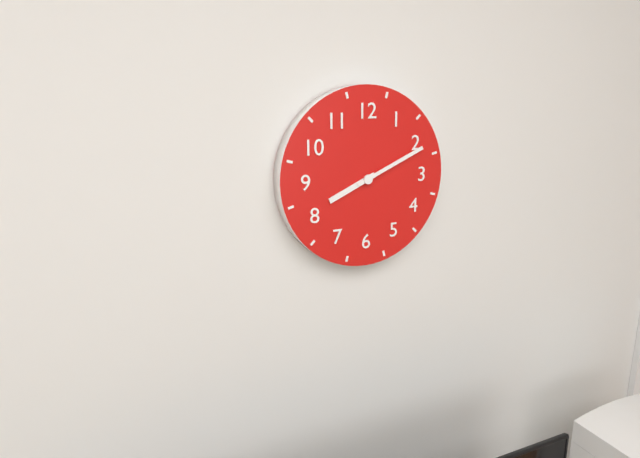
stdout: 8 h 11 min
